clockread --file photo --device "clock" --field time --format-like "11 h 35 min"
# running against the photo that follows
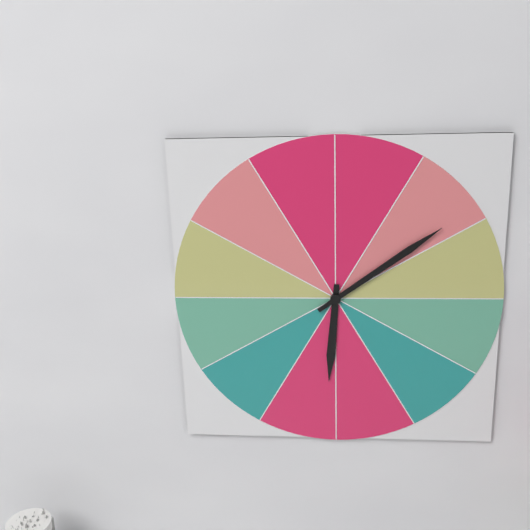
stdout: 6 h 09 min
